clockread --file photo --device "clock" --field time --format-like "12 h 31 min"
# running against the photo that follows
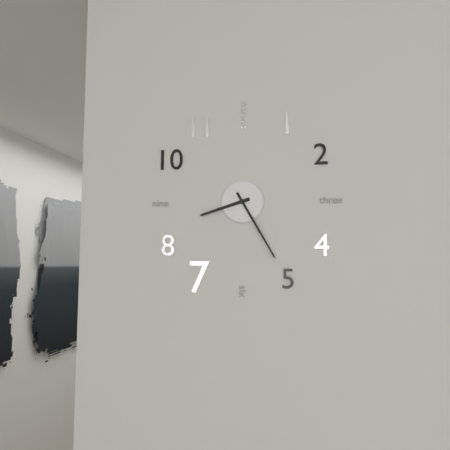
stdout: 8 h 25 min
